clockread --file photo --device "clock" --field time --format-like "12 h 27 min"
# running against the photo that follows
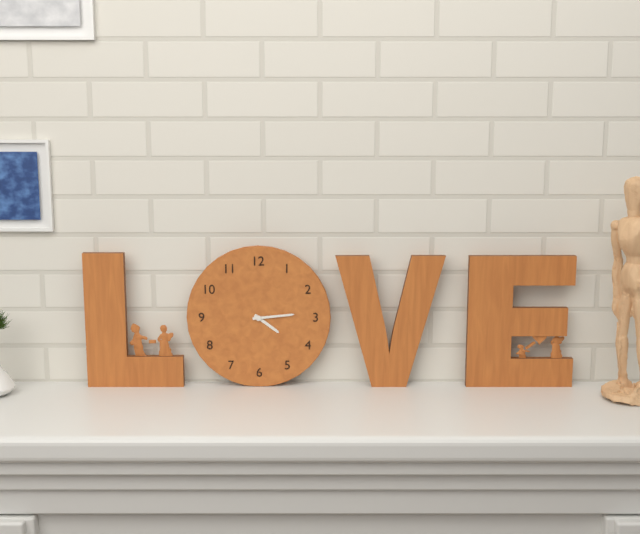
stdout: 4 h 14 min
